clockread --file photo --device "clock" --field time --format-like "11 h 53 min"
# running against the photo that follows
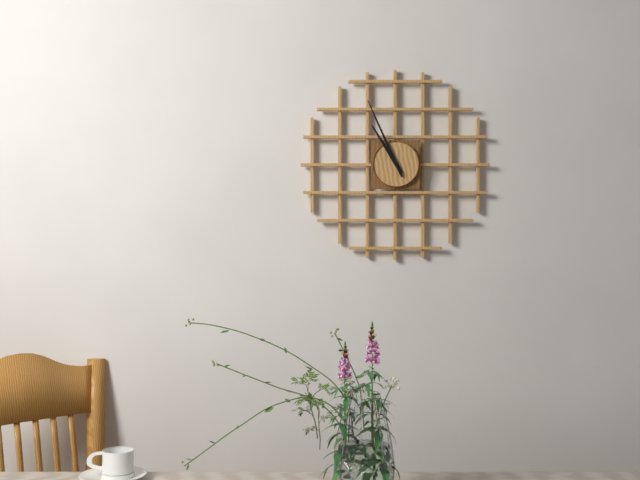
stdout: 10 h 56 min
